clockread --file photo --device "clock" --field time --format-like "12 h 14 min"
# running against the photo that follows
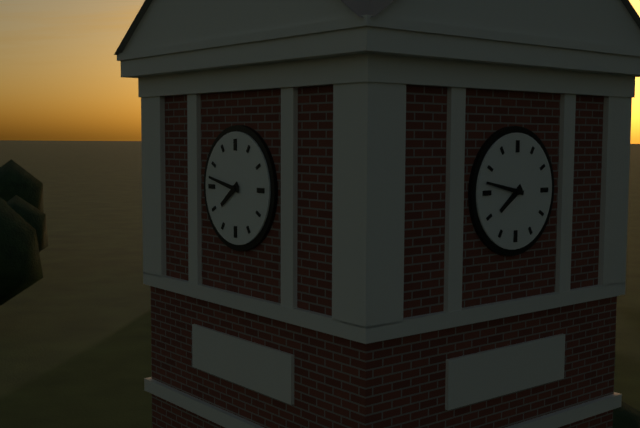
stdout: 7 h 47 min
